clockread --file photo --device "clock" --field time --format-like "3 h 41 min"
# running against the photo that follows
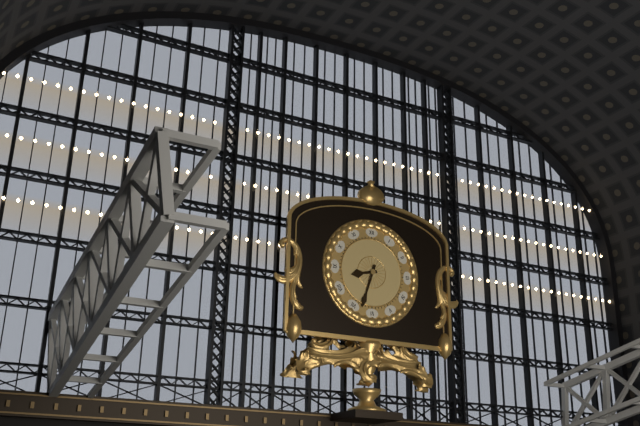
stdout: 8 h 33 min
